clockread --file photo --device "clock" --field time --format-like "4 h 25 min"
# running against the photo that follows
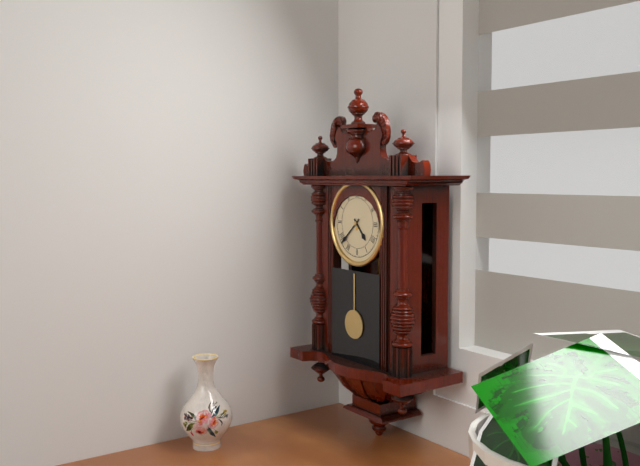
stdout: 4 h 38 min
